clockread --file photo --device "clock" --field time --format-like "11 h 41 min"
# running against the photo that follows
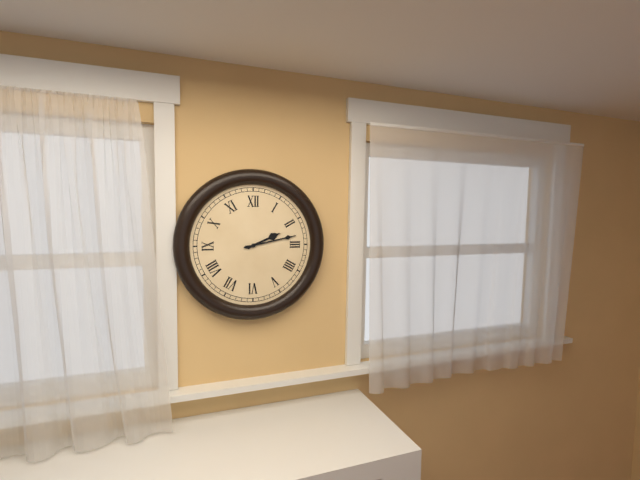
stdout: 2 h 13 min
